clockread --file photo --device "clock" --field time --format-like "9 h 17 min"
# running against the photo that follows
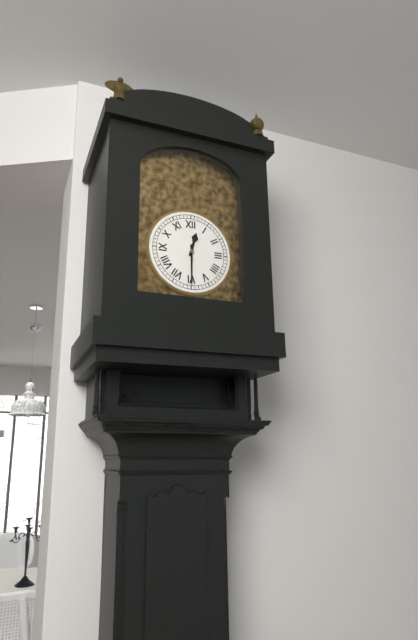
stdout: 12 h 30 min
